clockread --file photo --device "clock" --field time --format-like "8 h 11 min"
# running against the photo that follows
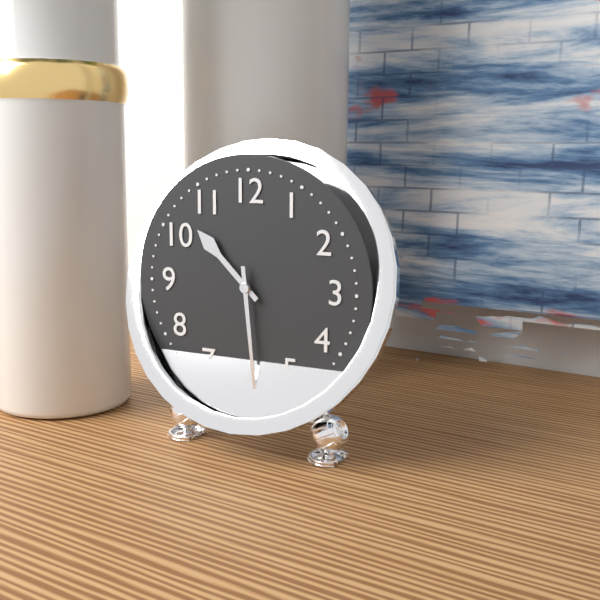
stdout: 10 h 29 min
